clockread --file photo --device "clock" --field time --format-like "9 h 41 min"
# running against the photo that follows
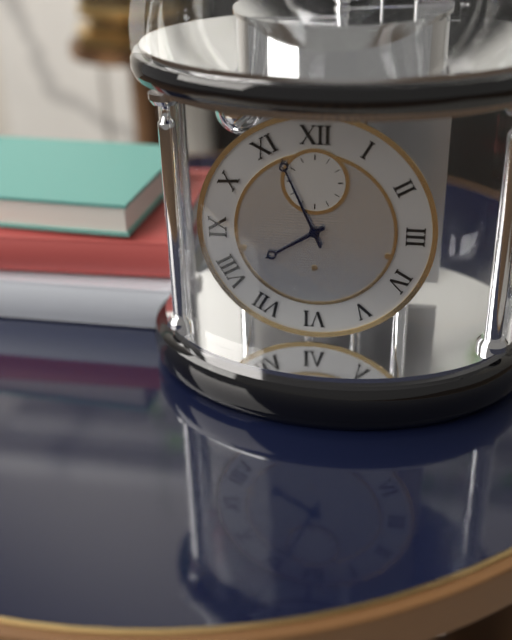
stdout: 7 h 56 min
